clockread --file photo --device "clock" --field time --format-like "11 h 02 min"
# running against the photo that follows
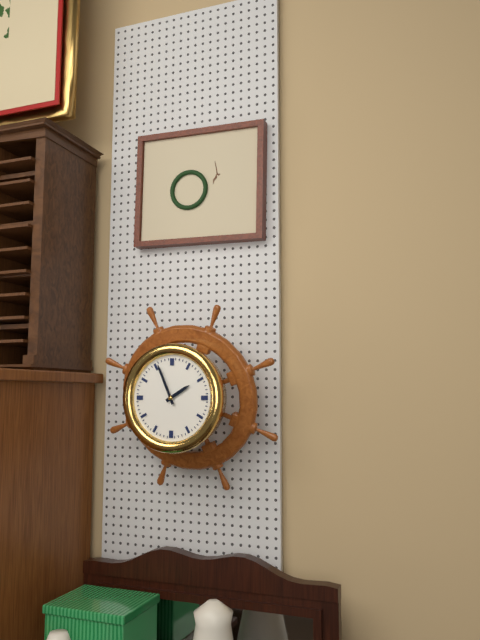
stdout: 1 h 56 min
